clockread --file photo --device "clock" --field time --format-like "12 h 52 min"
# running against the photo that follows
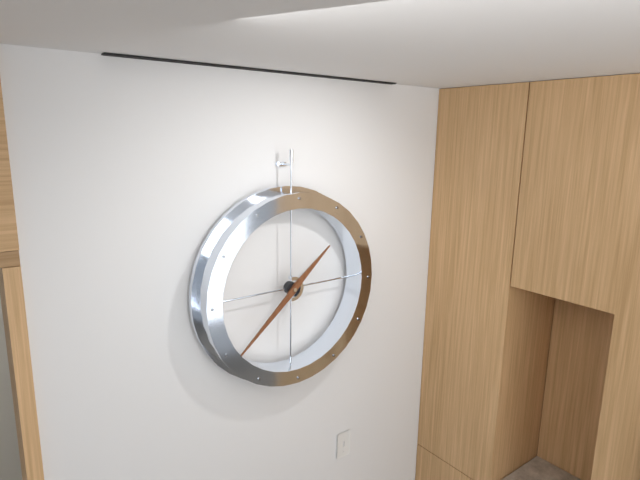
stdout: 1 h 38 min
